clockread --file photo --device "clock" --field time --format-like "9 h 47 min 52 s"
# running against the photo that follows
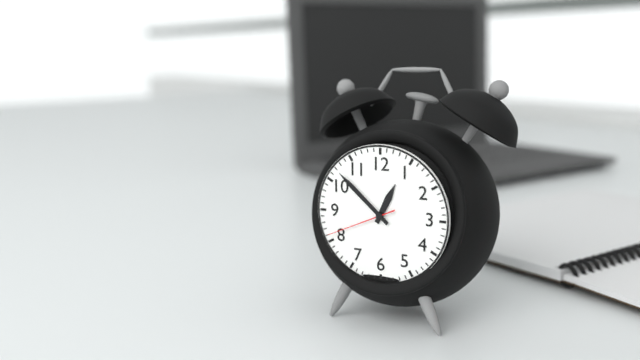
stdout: 12 h 52 min 41 s
